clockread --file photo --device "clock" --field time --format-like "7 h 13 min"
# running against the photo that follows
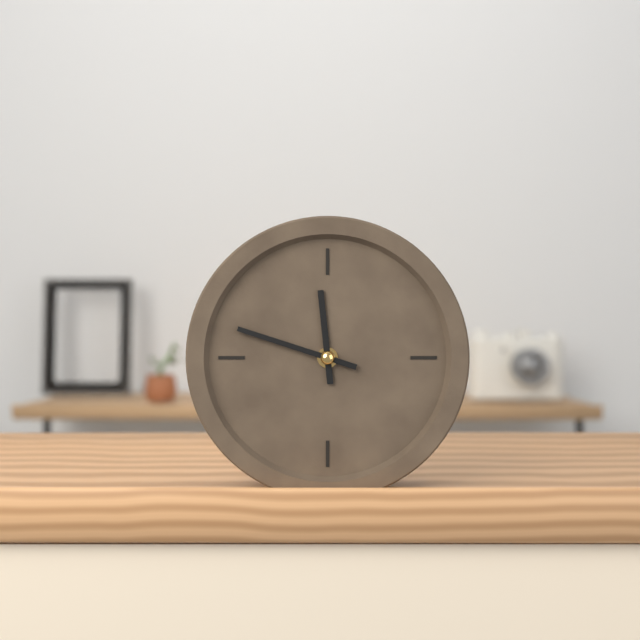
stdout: 11 h 48 min
